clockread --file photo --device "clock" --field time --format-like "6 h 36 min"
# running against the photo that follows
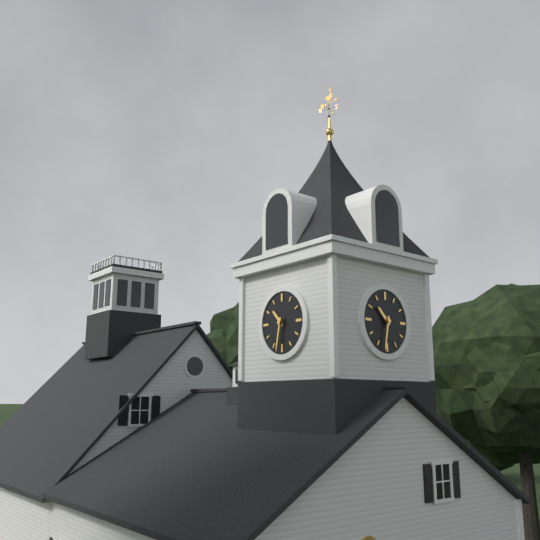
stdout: 10 h 32 min
